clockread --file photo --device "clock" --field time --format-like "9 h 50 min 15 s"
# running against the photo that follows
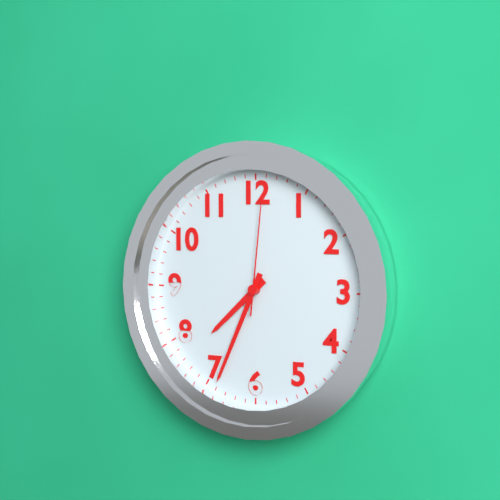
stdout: 7 h 34 min 01 s
